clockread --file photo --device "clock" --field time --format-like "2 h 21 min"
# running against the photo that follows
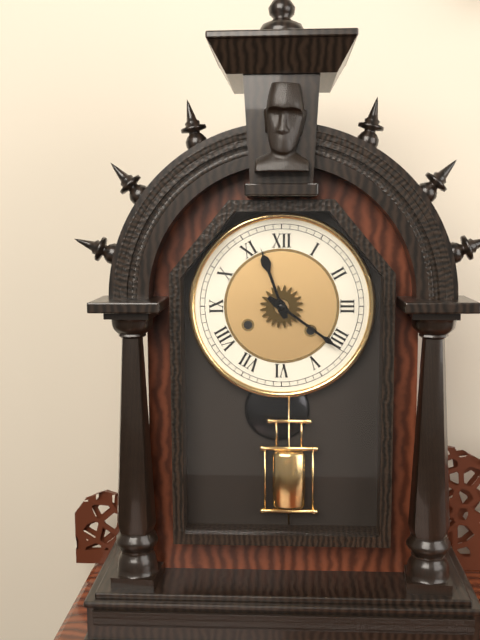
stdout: 11 h 21 min
